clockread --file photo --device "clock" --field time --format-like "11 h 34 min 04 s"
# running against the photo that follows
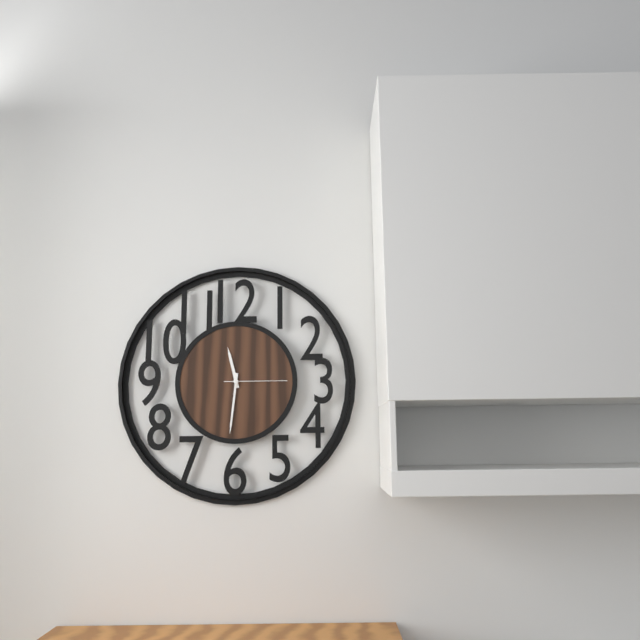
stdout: 11 h 31 min 15 s
